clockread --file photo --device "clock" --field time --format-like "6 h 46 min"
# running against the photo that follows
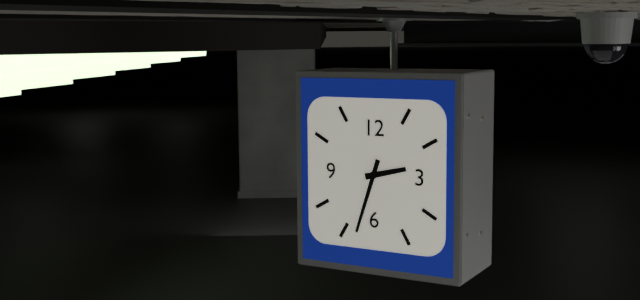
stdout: 2 h 33 min
